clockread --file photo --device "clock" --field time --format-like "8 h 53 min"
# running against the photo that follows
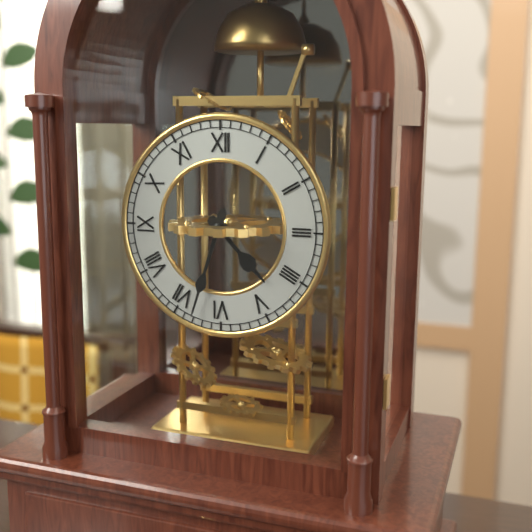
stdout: 4 h 33 min
